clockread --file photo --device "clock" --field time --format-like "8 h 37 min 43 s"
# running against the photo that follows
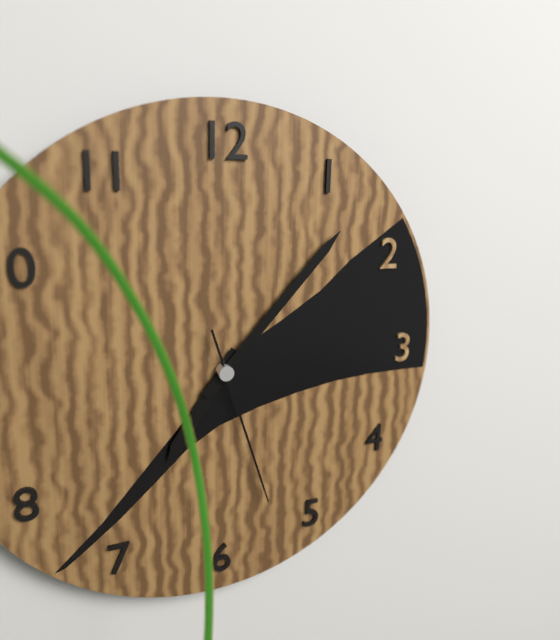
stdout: 7 h 07 min 27 s
